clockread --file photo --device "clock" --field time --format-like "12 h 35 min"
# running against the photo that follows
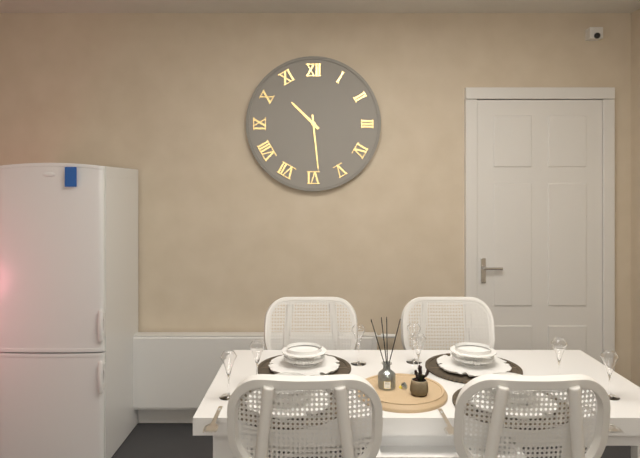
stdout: 10 h 29 min
